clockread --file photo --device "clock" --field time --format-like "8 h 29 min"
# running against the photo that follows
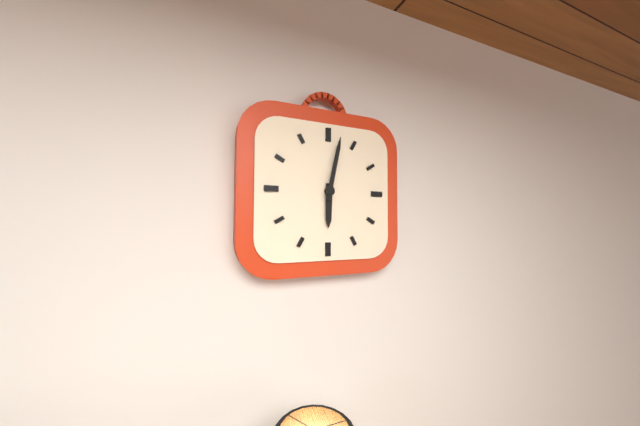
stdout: 6 h 02 min
